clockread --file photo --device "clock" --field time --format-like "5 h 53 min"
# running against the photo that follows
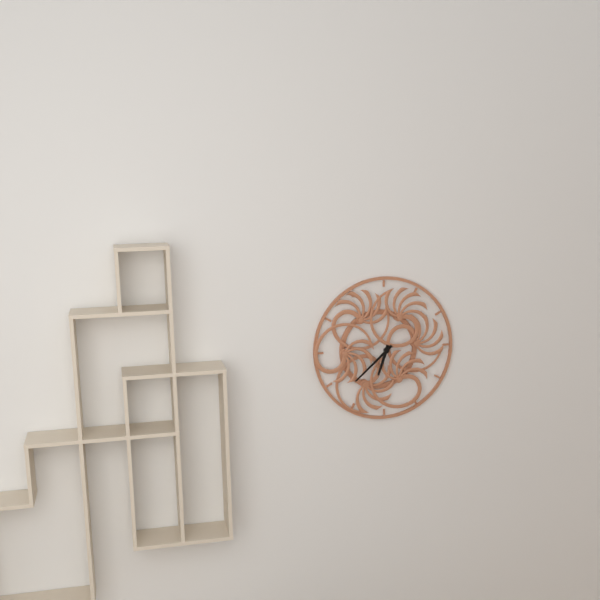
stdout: 6 h 38 min
